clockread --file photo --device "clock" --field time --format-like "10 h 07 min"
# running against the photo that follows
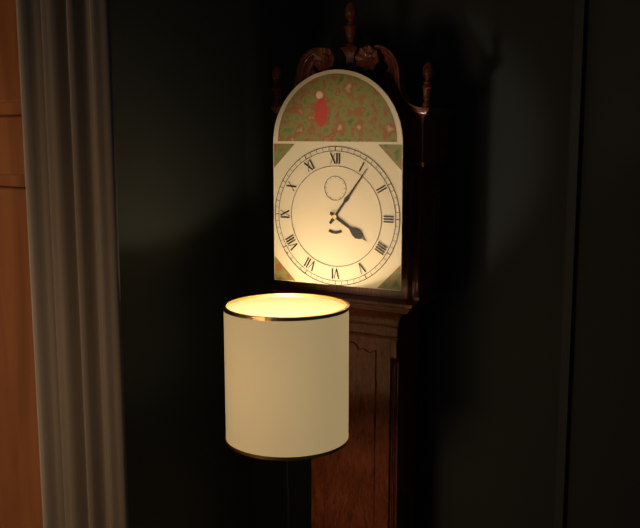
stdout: 4 h 06 min
